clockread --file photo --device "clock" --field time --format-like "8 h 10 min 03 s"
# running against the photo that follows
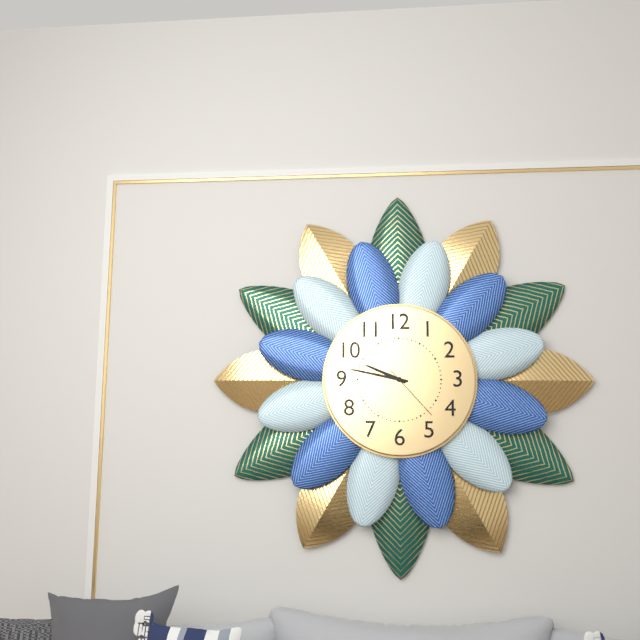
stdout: 9 h 47 min 23 s
